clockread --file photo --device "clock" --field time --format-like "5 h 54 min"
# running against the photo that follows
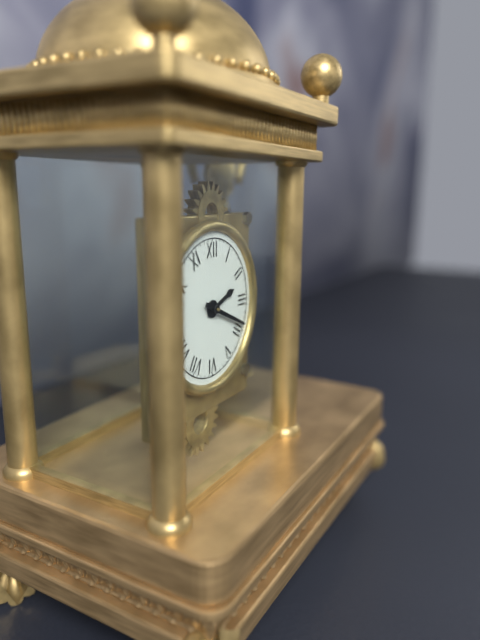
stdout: 2 h 19 min
